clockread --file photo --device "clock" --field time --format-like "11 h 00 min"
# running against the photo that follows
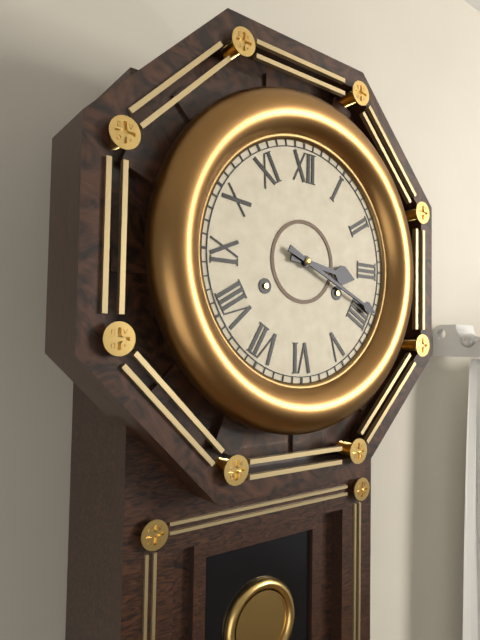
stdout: 3 h 19 min
